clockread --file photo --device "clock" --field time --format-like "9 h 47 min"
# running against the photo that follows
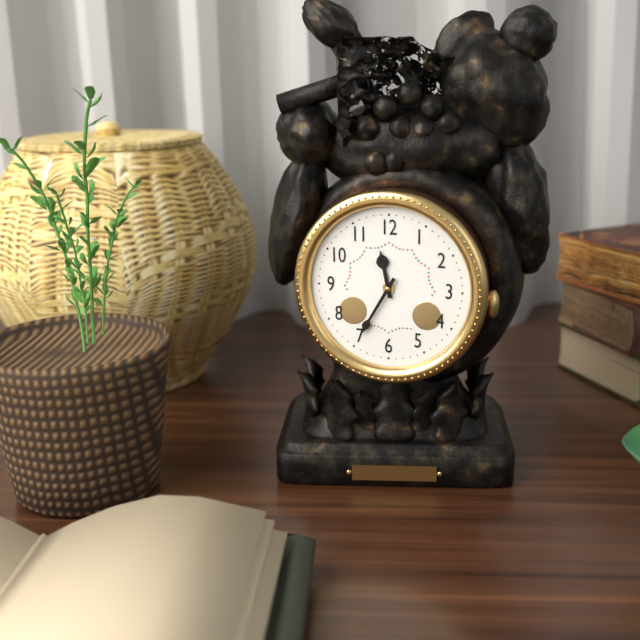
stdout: 11 h 35 min
